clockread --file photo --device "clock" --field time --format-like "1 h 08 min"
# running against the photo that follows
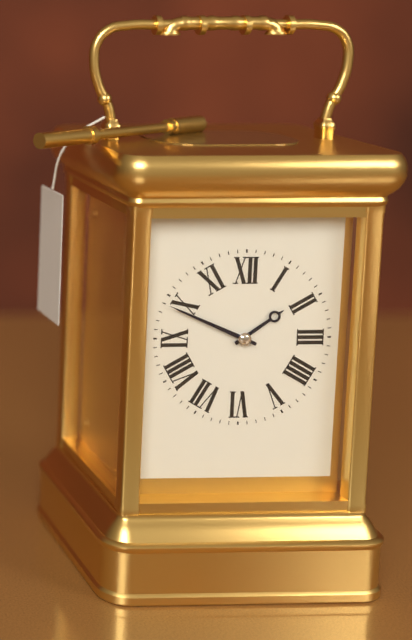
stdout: 1 h 49 min
